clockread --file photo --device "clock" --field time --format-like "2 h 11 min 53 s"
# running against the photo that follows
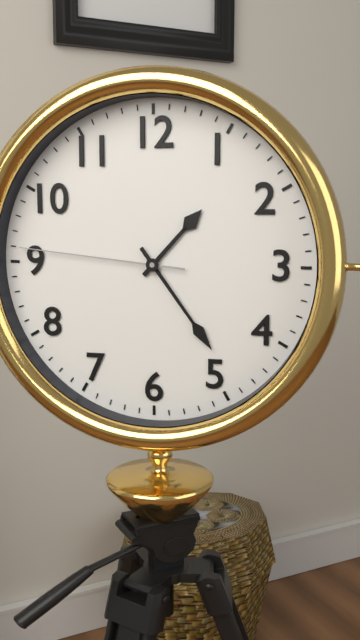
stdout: 1 h 24 min 46 s
